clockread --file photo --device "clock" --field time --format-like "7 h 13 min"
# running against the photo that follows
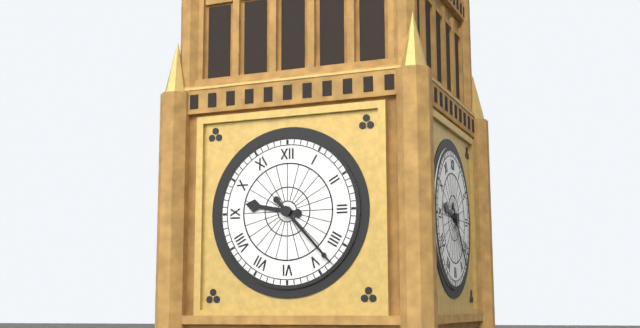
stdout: 9 h 23 min
